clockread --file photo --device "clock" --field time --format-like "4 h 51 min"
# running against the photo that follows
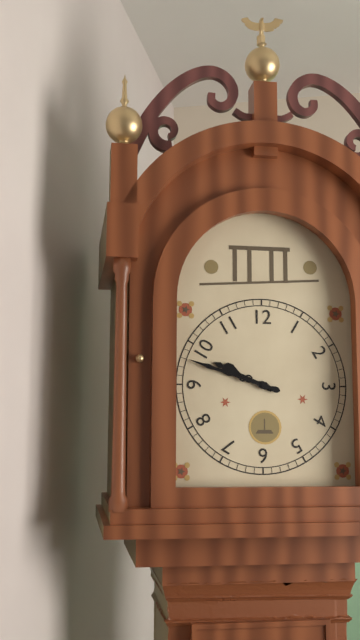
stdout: 9 h 48 min
